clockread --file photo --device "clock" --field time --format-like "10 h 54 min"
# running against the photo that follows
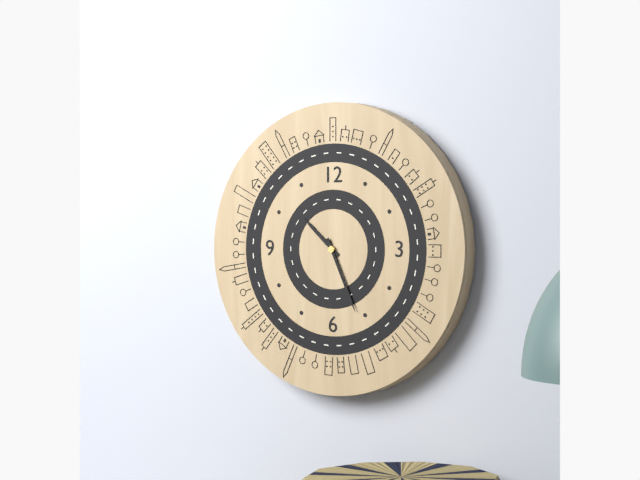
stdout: 10 h 26 min
